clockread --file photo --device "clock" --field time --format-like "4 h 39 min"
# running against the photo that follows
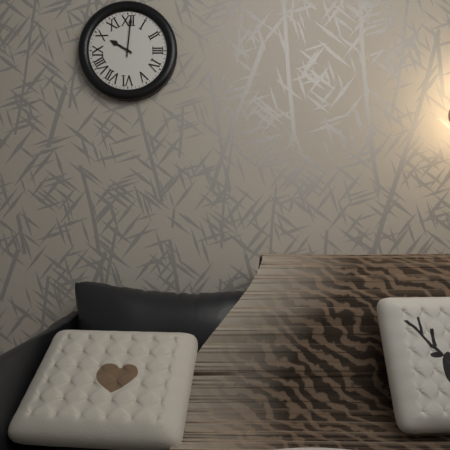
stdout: 10 h 01 min
